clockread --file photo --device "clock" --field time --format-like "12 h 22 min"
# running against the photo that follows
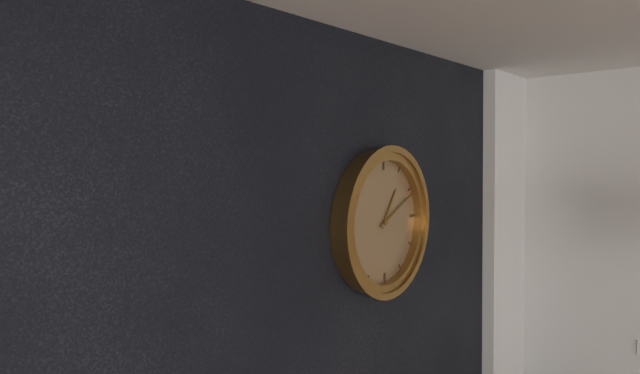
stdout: 1 h 11 min
